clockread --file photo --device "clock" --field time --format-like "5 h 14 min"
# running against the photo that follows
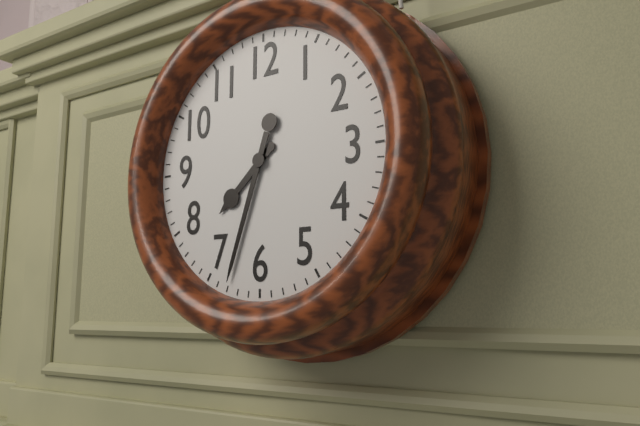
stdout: 7 h 33 min
